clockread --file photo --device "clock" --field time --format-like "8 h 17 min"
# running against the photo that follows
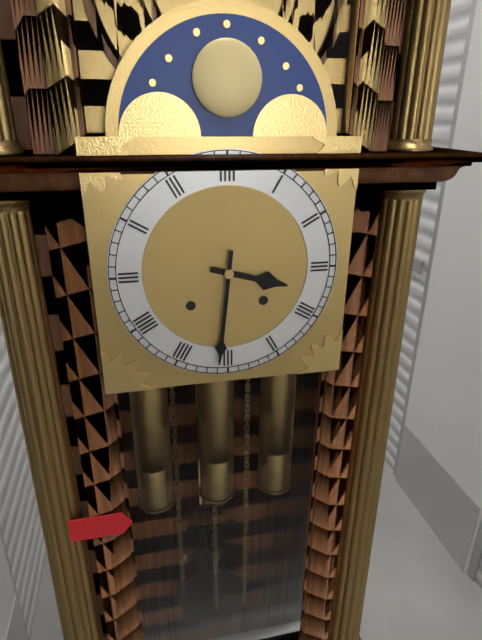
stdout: 3 h 31 min
